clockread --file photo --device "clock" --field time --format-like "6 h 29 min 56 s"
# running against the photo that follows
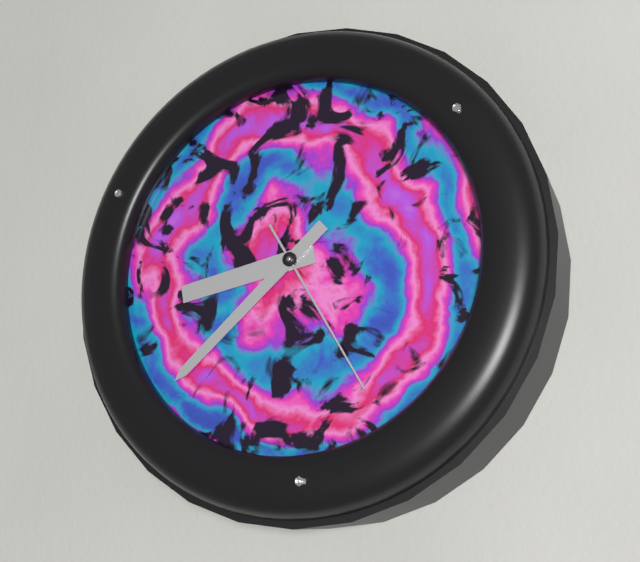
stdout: 8 h 38 min 25 s
